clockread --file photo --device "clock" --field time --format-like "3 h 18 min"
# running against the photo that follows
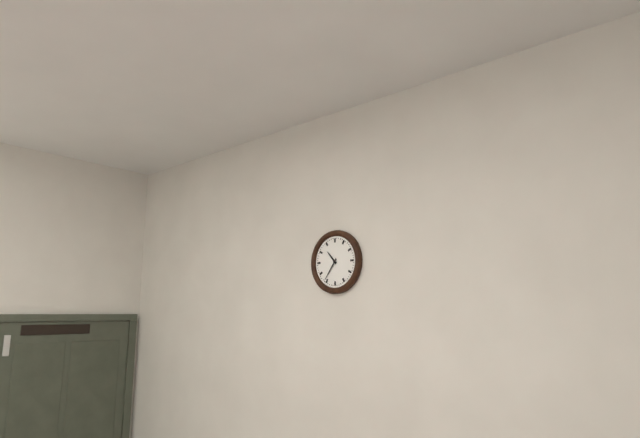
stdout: 10 h 36 min
